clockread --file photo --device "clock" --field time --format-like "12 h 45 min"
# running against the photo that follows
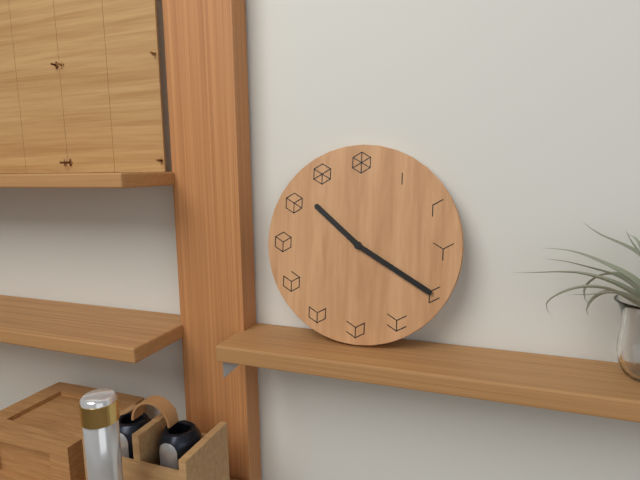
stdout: 10 h 20 min
